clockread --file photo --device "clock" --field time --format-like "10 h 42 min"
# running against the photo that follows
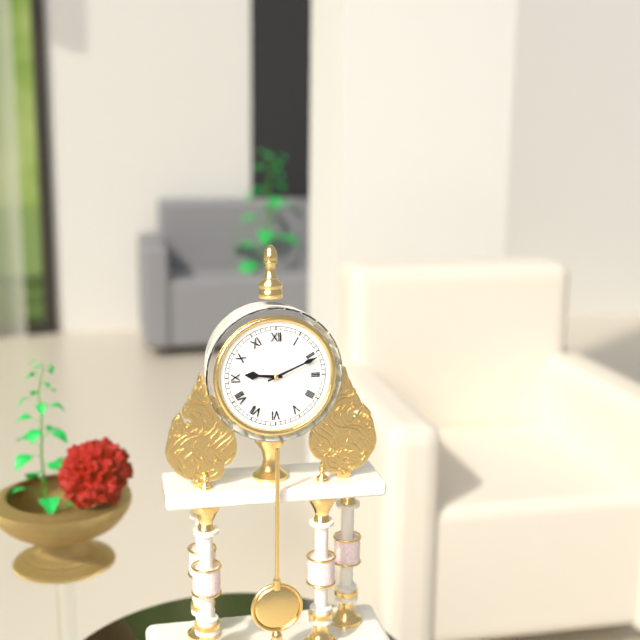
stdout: 9 h 11 min
